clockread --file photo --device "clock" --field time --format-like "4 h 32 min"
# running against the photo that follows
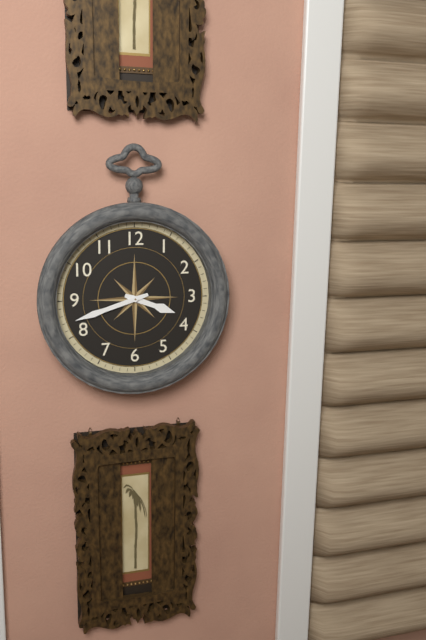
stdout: 3 h 42 min
